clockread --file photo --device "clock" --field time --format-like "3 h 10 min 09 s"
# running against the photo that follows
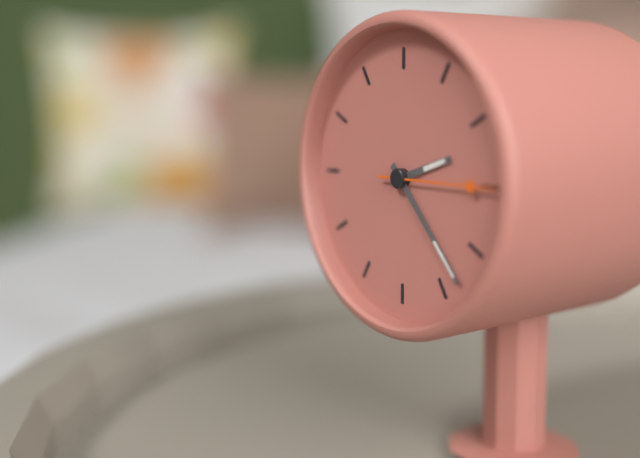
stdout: 2 h 23 min 15 s
